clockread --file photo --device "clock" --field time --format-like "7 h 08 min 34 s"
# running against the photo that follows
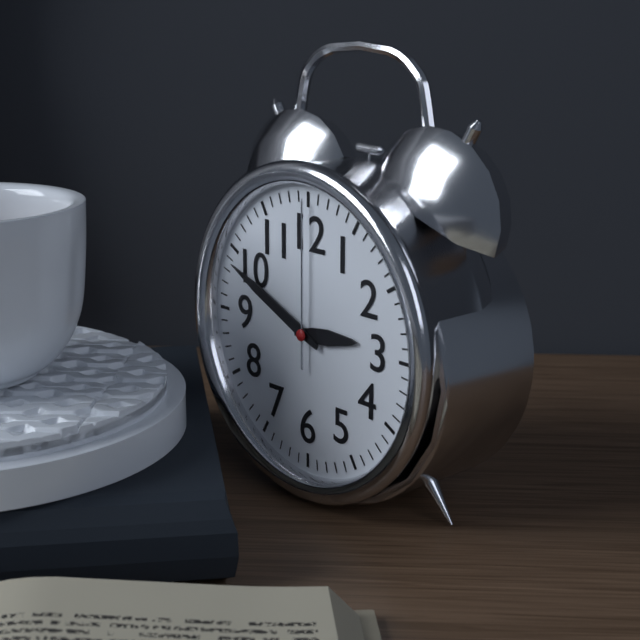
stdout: 2 h 49 min 00 s
